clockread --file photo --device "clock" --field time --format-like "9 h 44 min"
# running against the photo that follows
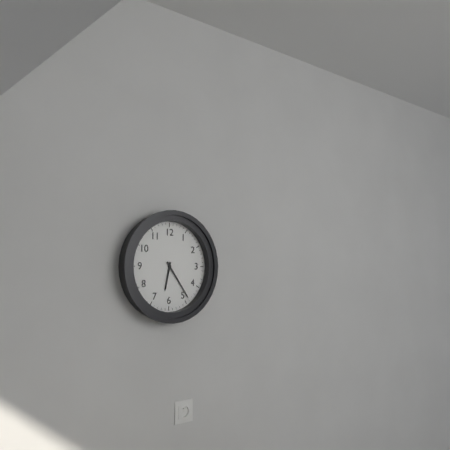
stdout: 6 h 24 min
